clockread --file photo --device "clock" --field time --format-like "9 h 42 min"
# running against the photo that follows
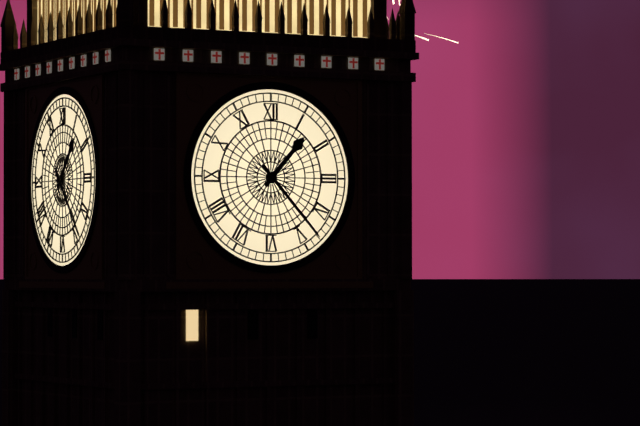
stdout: 1 h 23 min
